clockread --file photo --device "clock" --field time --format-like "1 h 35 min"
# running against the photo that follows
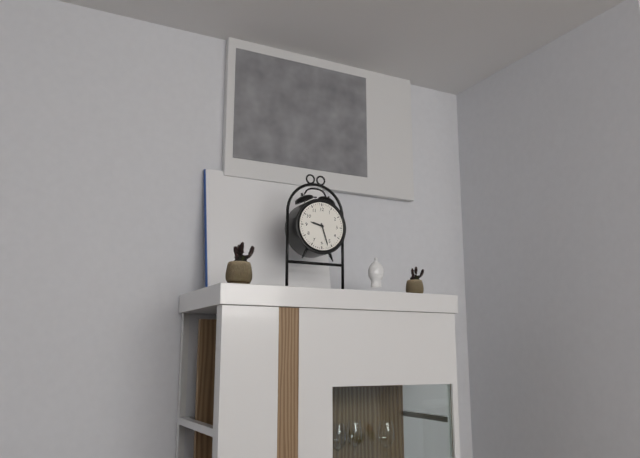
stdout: 9 h 27 min
